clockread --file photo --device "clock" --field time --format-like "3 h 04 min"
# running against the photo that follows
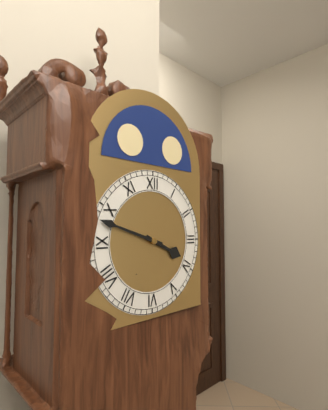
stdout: 3 h 48 min
